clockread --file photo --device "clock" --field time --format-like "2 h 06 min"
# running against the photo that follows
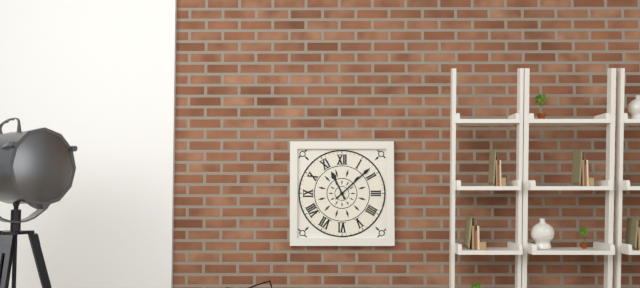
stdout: 11 h 08 min
